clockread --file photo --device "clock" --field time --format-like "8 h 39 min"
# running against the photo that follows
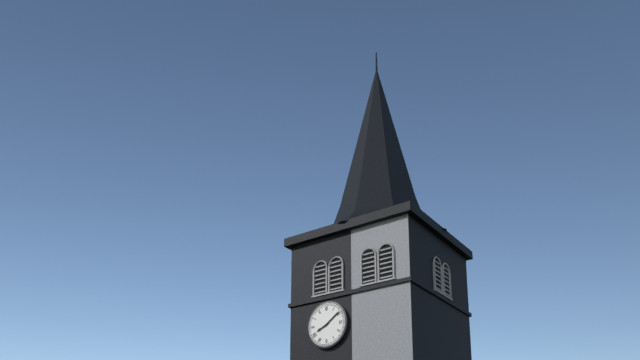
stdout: 8 h 09 min
